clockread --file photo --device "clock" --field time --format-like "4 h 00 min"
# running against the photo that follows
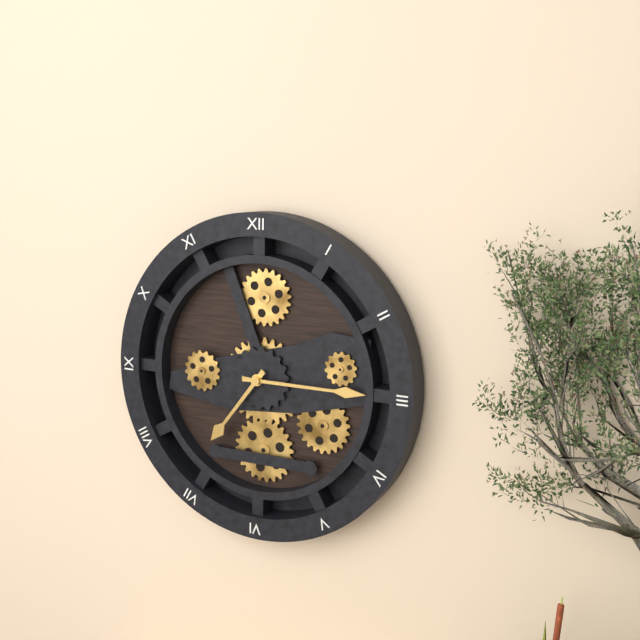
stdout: 7 h 15 min
